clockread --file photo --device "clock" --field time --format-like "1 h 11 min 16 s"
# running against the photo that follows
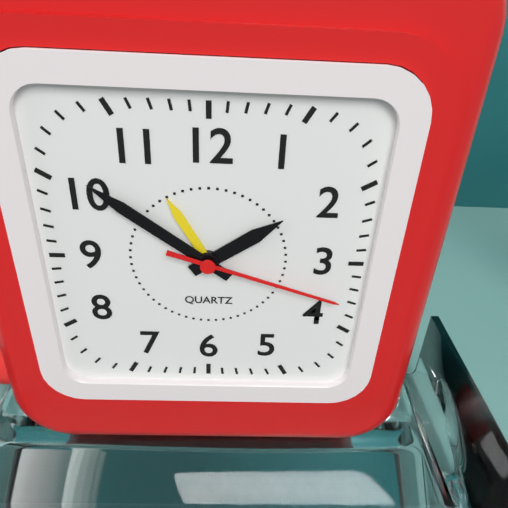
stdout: 1 h 51 min 18 s
